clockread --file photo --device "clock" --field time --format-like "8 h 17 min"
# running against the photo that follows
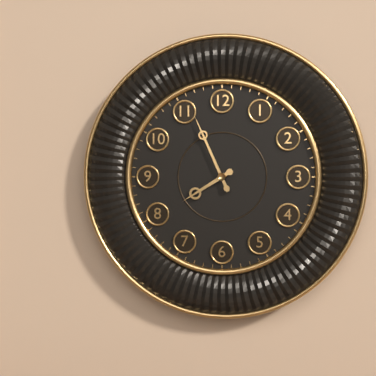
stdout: 7 h 56 min
